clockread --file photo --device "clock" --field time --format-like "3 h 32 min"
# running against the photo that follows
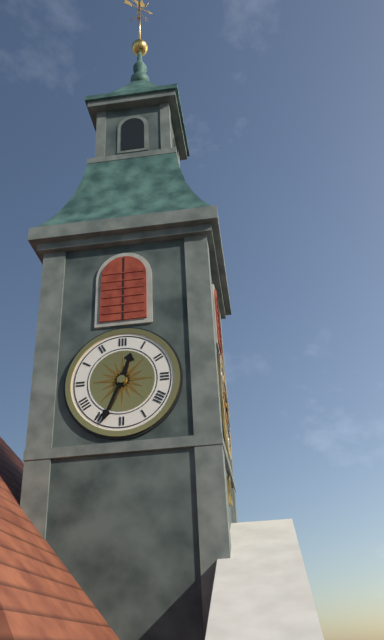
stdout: 12 h 34 min
